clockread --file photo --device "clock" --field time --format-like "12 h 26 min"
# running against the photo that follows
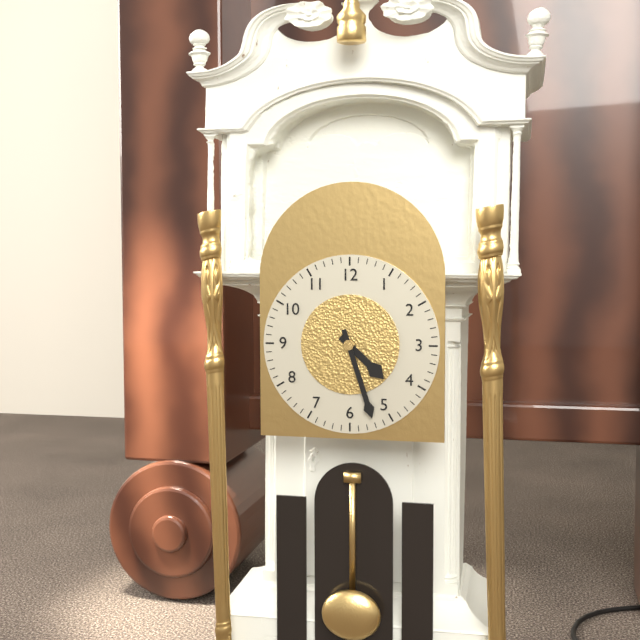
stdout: 4 h 27 min
